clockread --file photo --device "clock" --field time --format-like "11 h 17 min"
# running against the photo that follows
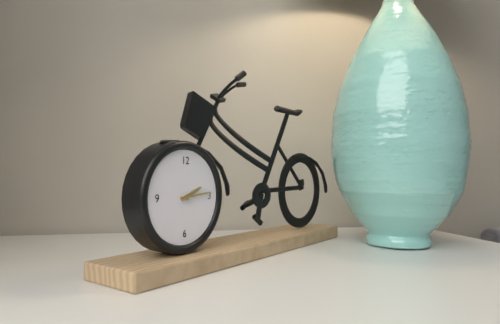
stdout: 2 h 14 min
